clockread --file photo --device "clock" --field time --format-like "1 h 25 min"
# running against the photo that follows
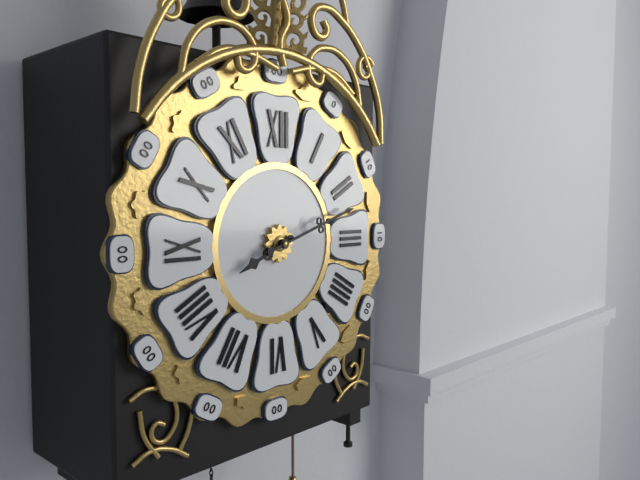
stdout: 8 h 12 min
